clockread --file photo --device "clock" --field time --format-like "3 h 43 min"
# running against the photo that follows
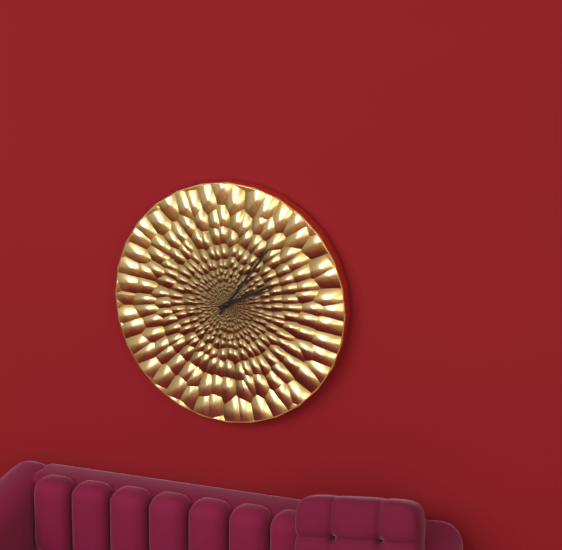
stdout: 2 h 06 min
